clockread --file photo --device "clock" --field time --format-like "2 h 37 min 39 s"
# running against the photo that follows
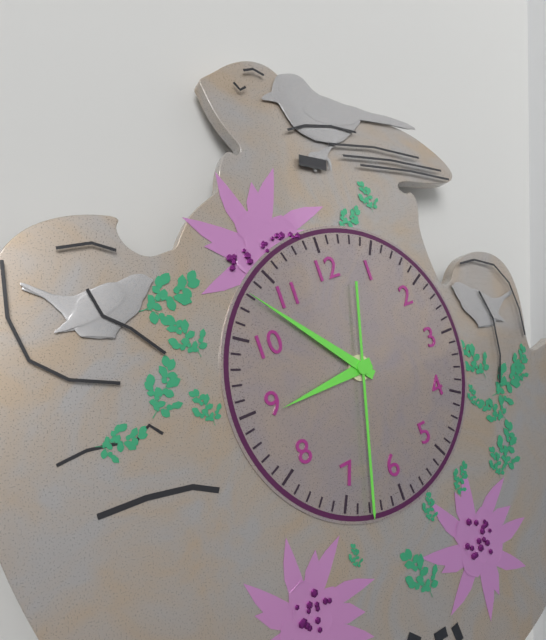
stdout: 8 h 53 min 33 s
